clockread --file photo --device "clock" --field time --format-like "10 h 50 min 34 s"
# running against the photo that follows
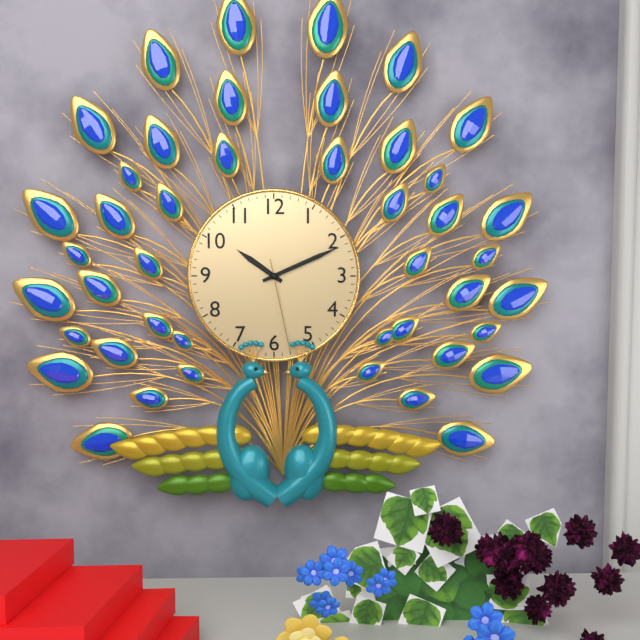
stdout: 10 h 11 min 28 s
